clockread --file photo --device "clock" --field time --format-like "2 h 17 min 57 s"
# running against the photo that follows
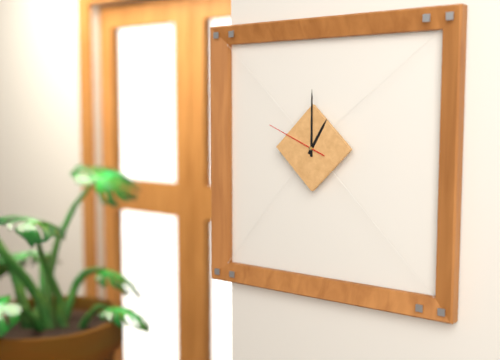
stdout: 1 h 00 min 49 s
